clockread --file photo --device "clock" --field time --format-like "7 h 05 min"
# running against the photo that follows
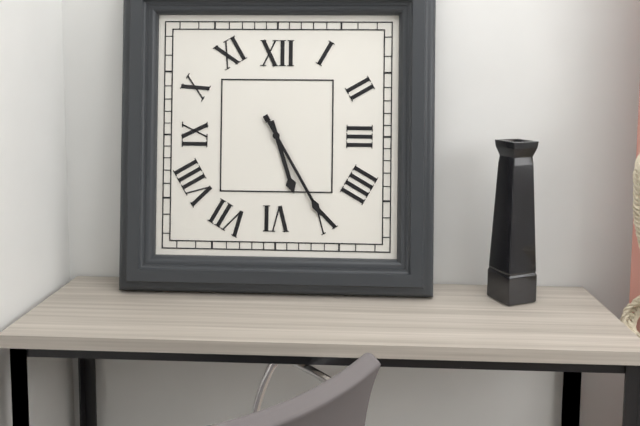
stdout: 5 h 25 min
